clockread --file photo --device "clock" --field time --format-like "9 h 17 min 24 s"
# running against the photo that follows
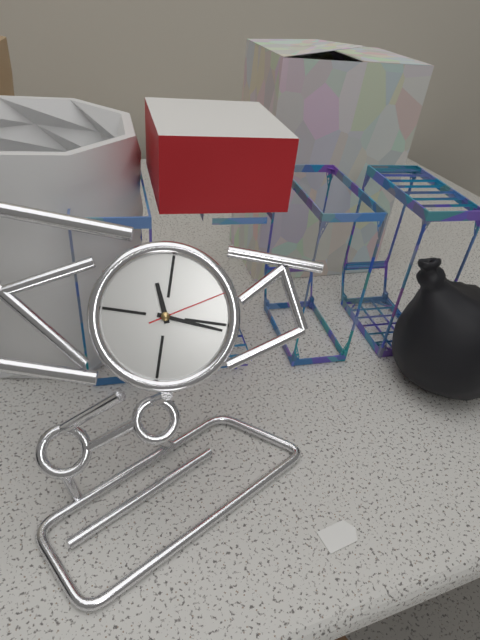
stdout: 11 h 16 min 10 s
